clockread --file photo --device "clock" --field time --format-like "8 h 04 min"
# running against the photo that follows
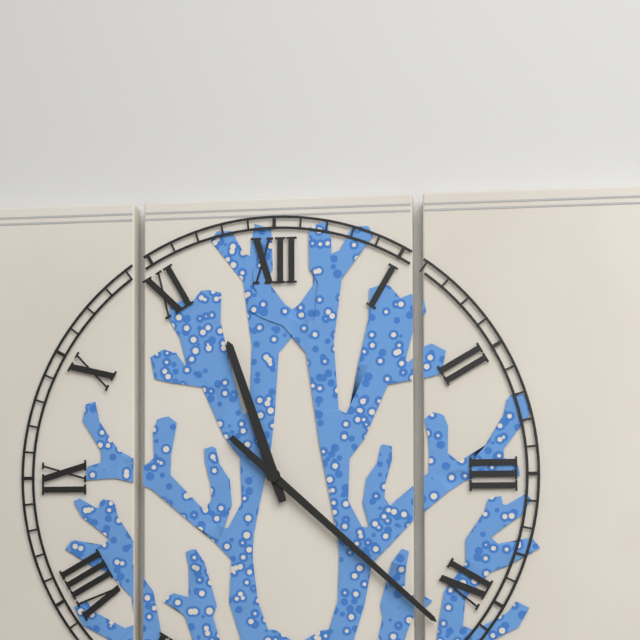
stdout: 11 h 22 min
